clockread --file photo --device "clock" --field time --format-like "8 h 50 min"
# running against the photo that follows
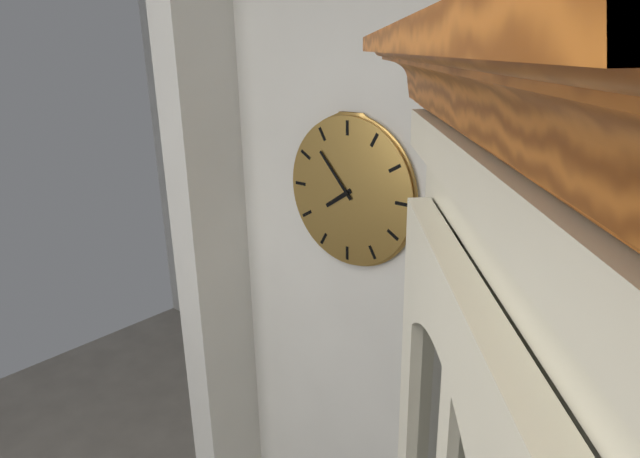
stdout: 7 h 53 min
